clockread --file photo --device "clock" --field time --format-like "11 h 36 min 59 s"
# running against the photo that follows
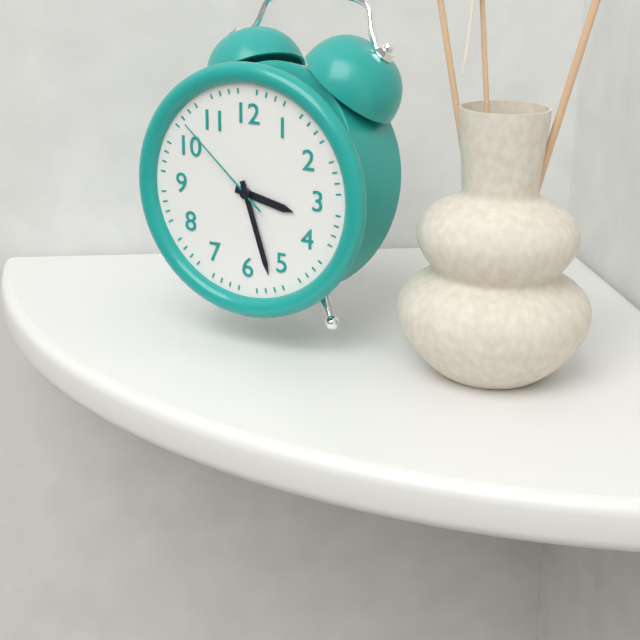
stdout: 3 h 27 min 52 s
